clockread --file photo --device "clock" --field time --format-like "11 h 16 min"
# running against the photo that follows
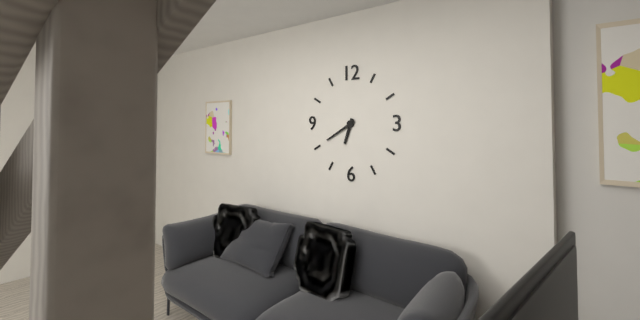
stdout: 6 h 40 min
